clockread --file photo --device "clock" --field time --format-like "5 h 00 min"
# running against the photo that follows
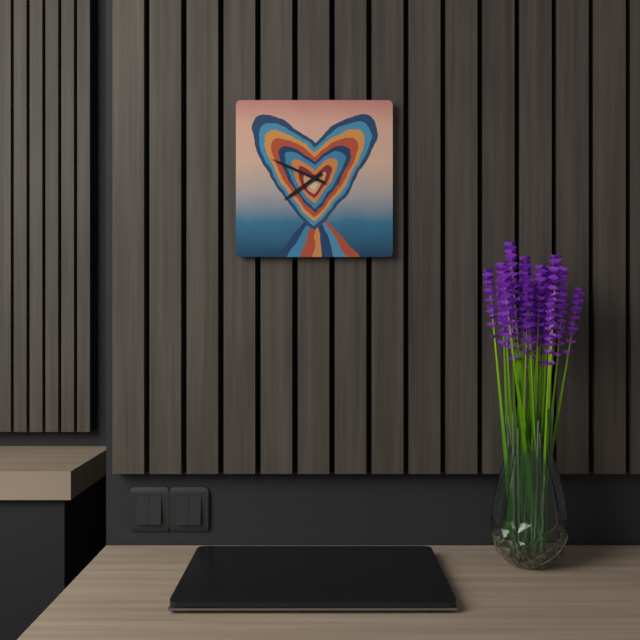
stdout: 7 h 49 min
